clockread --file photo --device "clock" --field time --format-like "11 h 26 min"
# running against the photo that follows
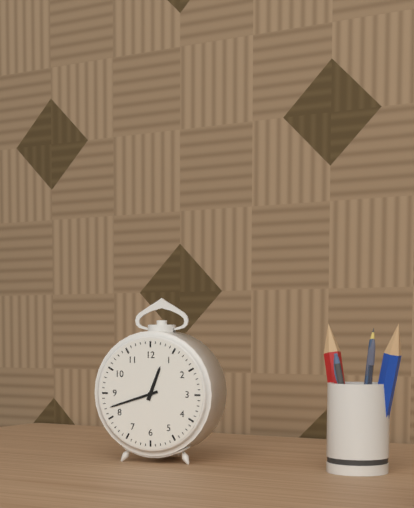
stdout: 12 h 42 min
